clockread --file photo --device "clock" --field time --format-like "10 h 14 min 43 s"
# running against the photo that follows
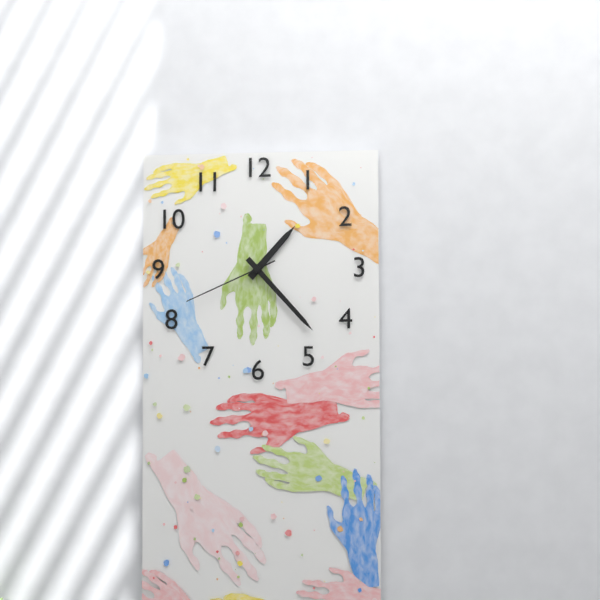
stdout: 1 h 23 min 41 s
